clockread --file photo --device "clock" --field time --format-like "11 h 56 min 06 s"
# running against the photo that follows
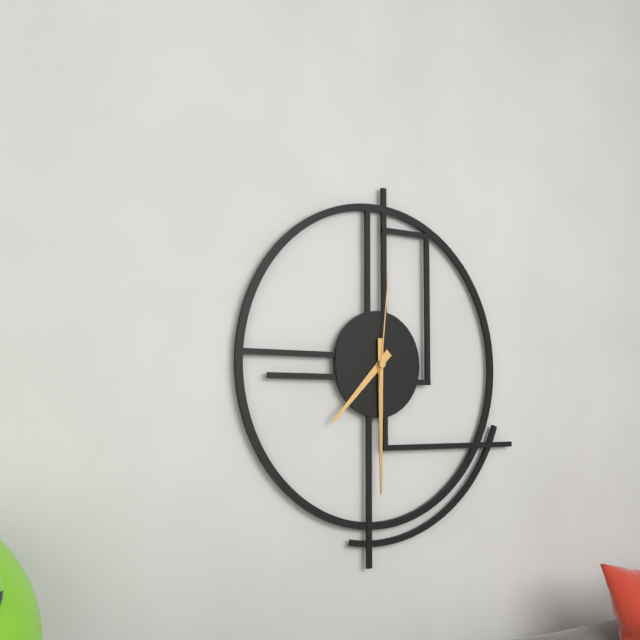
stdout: 7 h 30 min 01 s
